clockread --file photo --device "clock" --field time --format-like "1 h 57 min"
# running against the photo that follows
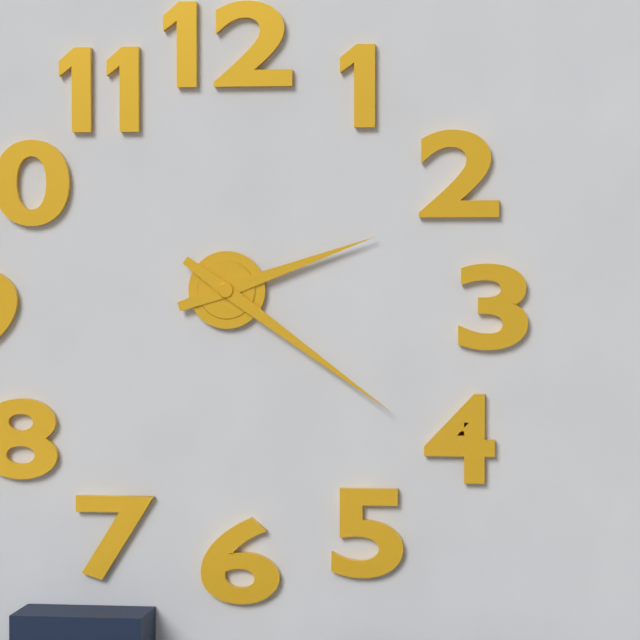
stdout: 2 h 21 min
